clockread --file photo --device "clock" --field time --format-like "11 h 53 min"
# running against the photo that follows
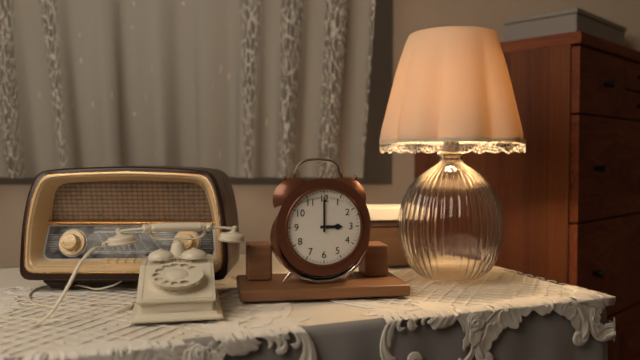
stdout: 3 h 00 min
